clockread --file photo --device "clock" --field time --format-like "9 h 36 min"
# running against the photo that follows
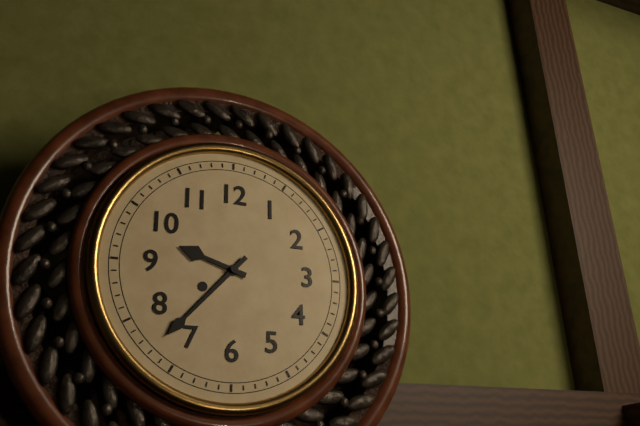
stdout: 9 h 37 min
